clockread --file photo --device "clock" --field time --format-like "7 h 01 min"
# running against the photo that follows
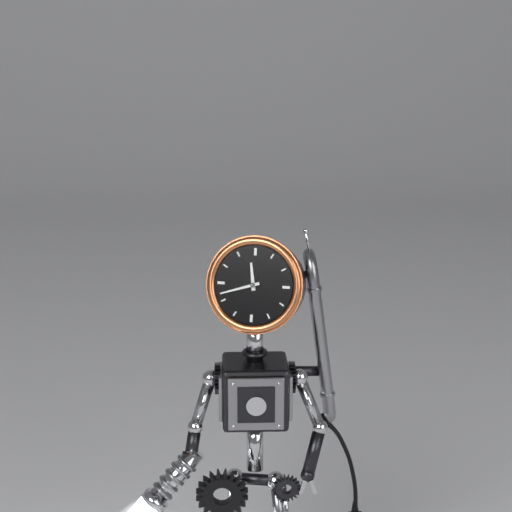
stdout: 11 h 42 min
